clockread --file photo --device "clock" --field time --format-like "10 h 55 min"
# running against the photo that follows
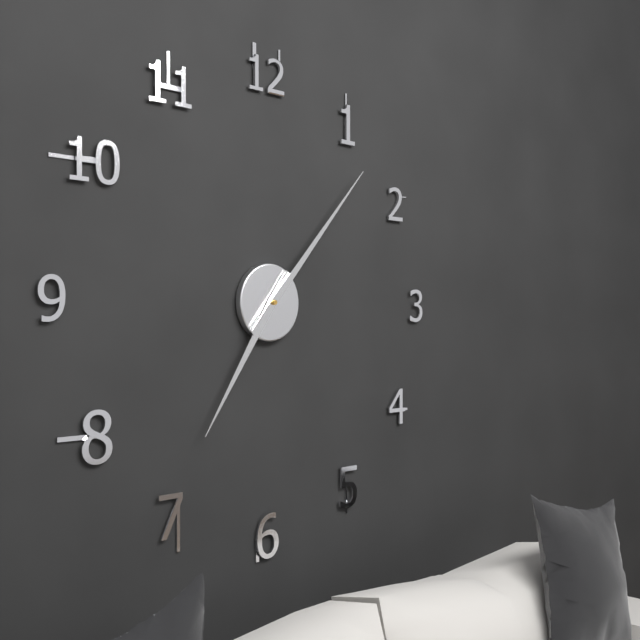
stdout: 7 h 07 min
